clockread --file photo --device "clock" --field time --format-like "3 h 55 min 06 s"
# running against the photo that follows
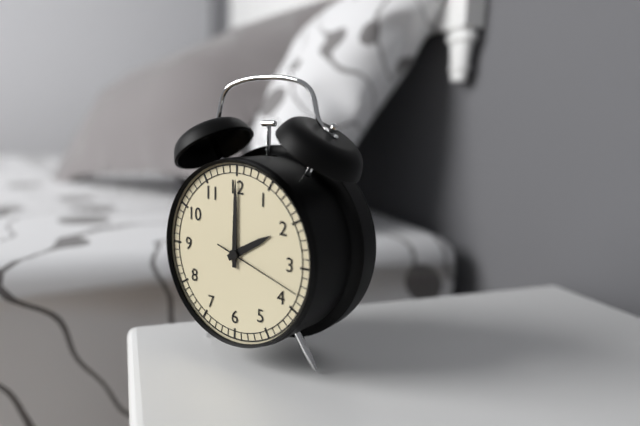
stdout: 2 h 00 min 18 s
